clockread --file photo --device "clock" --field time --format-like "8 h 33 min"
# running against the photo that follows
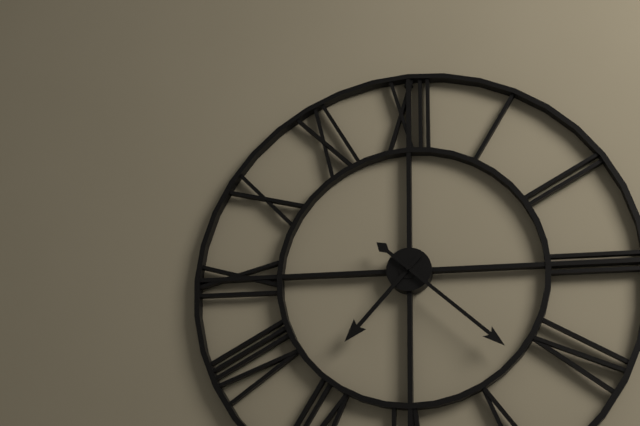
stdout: 7 h 22 min
